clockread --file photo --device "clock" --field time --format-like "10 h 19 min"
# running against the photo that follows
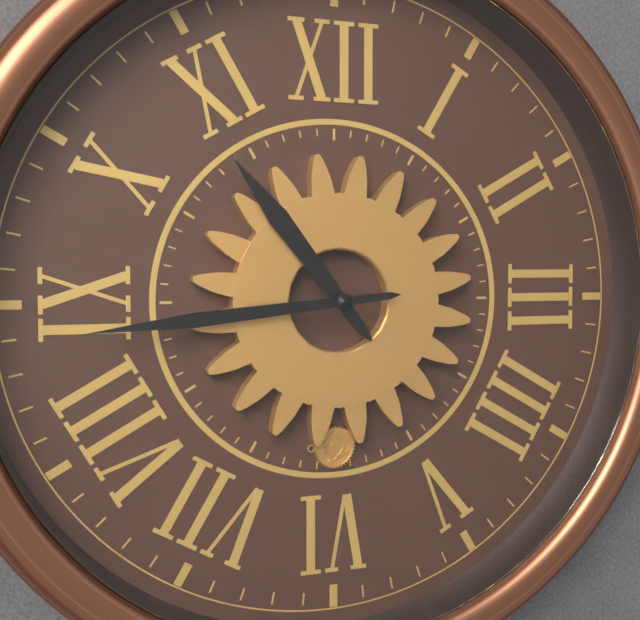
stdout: 10 h 44 min
